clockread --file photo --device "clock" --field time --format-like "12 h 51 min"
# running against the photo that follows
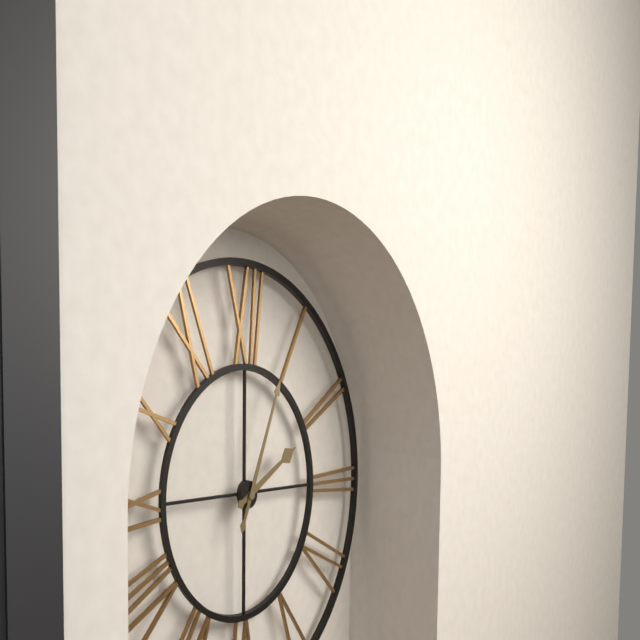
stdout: 2 h 04 min
